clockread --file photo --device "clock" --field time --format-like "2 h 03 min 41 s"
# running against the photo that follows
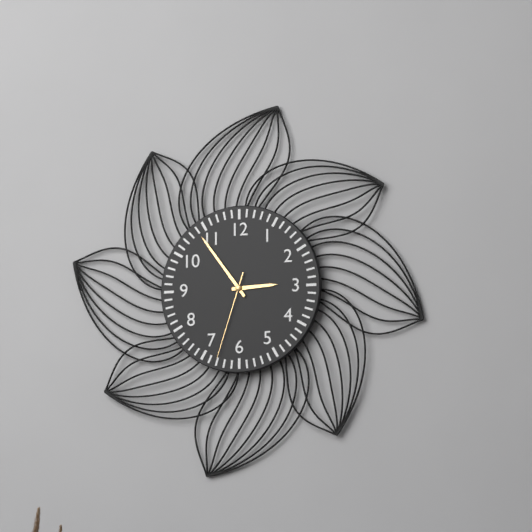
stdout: 2 h 54 min 33 s
